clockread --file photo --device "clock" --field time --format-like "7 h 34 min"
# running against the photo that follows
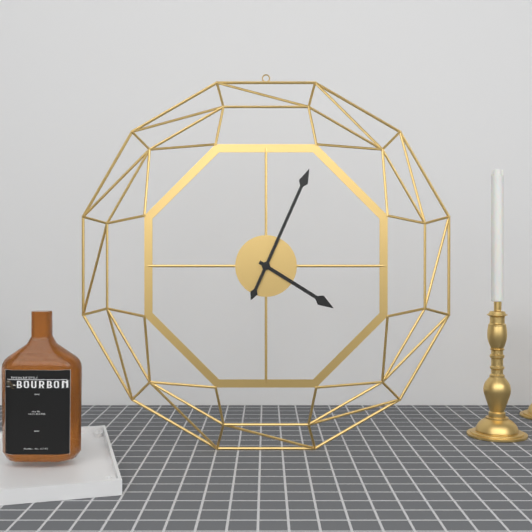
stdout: 4 h 04 min
